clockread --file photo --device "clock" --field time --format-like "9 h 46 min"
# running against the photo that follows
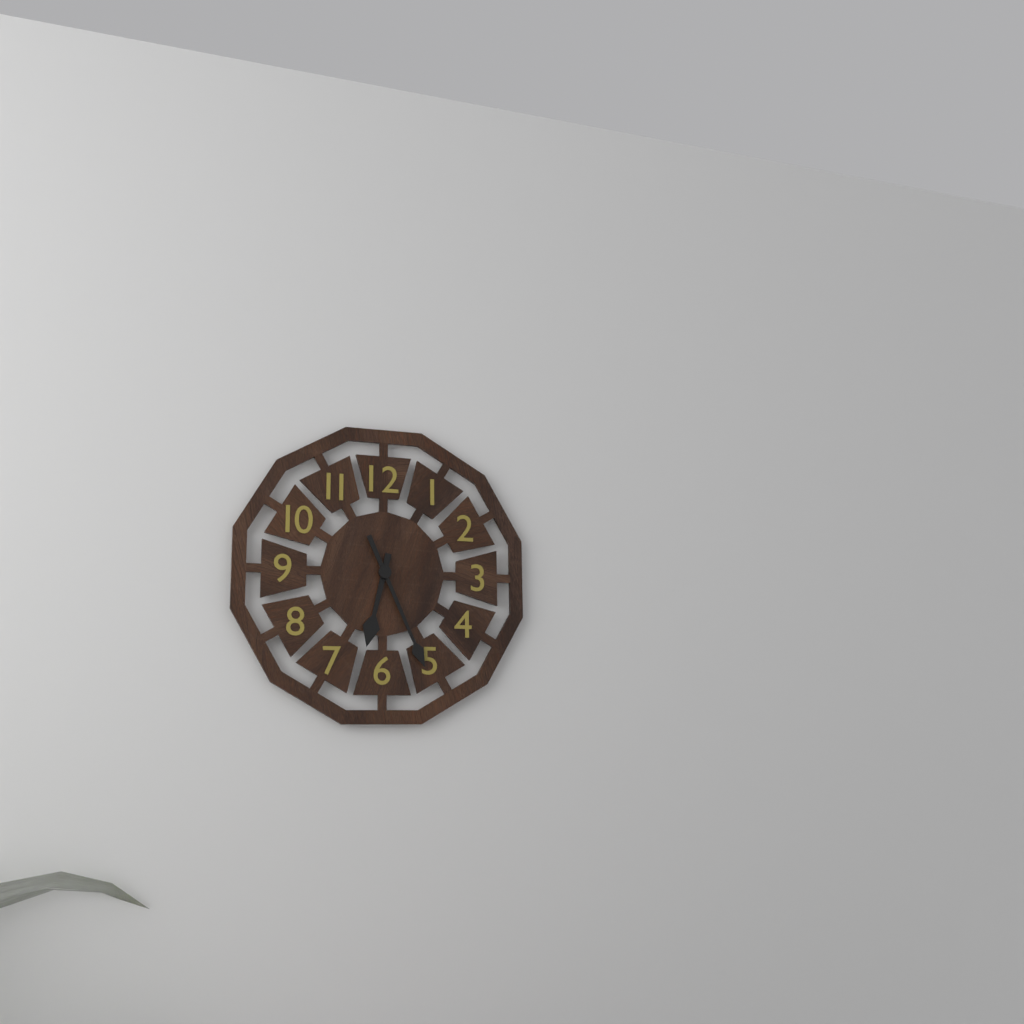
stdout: 6 h 26 min
